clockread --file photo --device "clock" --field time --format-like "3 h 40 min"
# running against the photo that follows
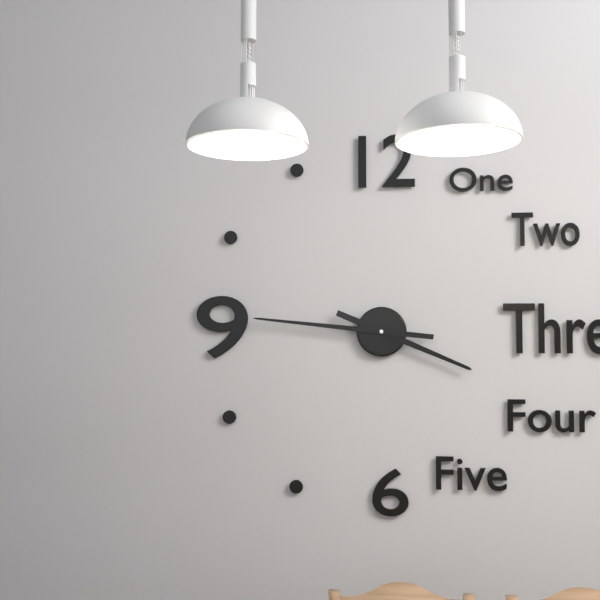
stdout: 3 h 46 min
